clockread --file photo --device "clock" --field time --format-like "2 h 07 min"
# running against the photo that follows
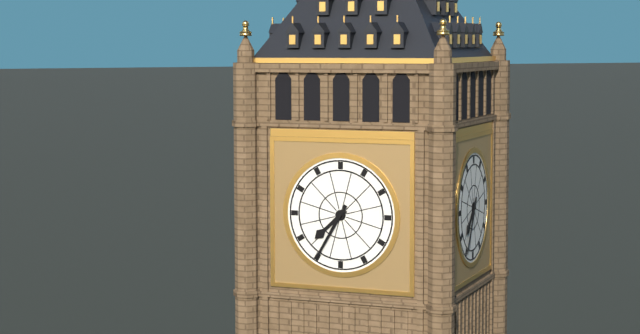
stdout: 7 h 35 min
